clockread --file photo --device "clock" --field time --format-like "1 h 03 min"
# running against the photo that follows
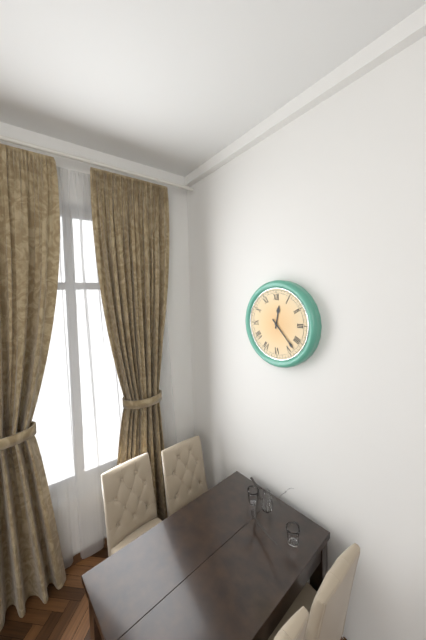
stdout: 12 h 23 min
